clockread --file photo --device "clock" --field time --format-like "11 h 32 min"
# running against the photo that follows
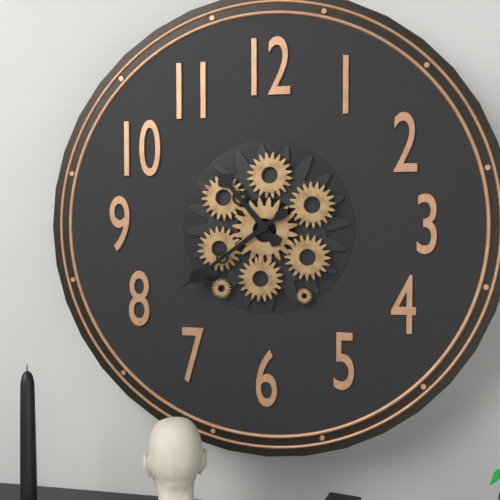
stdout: 10 h 39 min
